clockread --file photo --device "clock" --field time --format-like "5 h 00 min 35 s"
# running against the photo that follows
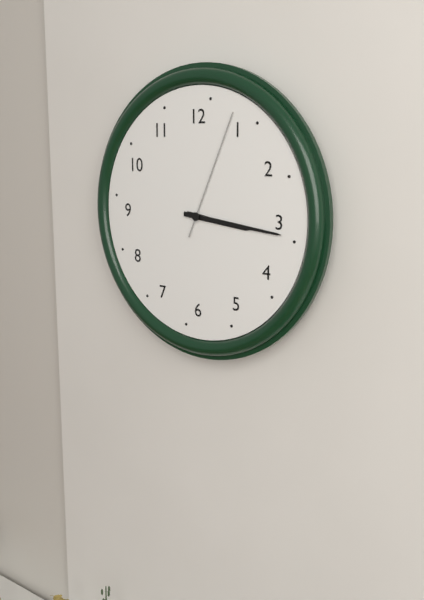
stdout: 3 h 16 min 04 s
